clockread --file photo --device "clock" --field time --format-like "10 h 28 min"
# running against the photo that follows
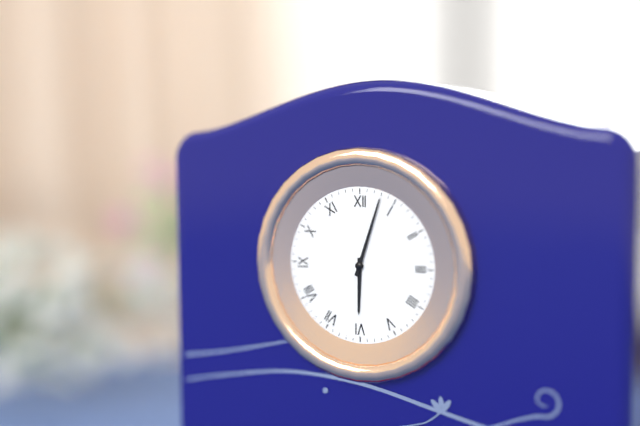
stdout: 6 h 03 min
